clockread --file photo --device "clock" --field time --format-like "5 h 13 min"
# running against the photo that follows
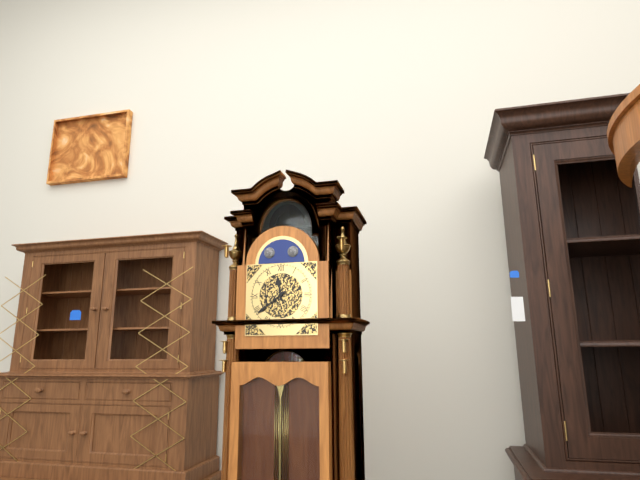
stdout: 11 h 39 min
